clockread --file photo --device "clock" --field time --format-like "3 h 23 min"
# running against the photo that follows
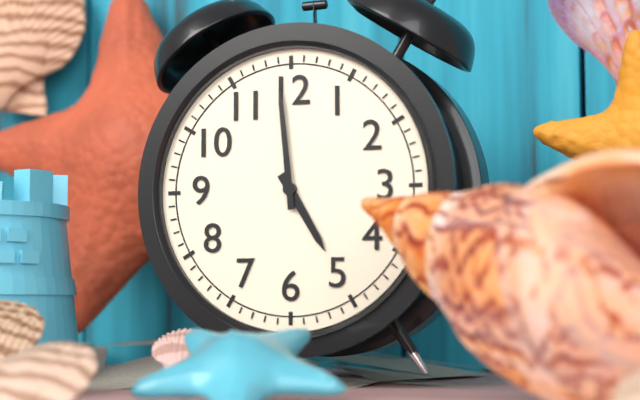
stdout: 4 h 59 min
